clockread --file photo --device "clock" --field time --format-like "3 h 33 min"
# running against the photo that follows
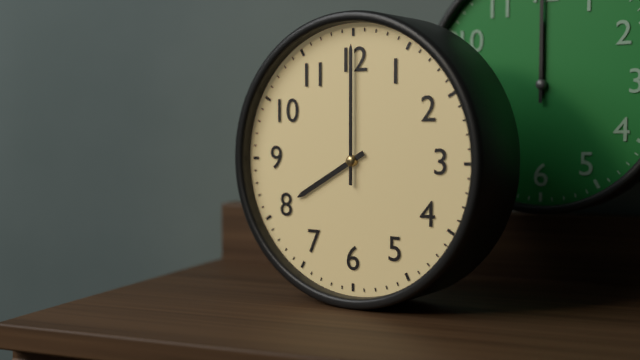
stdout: 8 h 00 min
